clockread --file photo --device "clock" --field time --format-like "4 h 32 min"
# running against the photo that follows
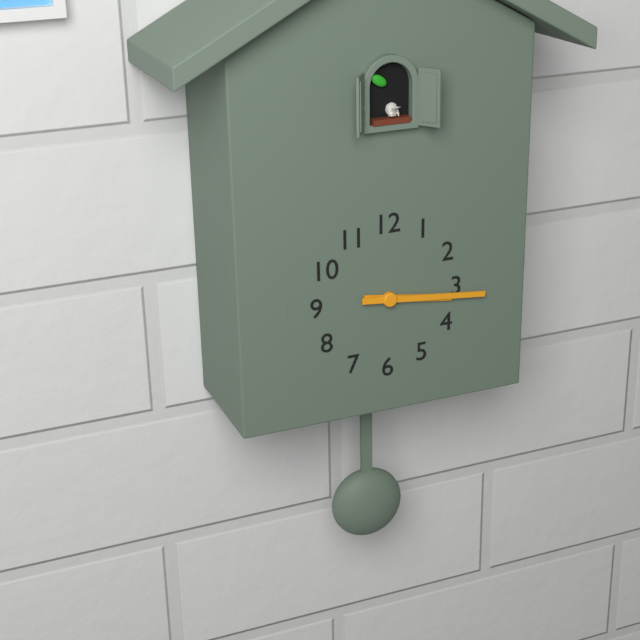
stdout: 3 h 16 min
